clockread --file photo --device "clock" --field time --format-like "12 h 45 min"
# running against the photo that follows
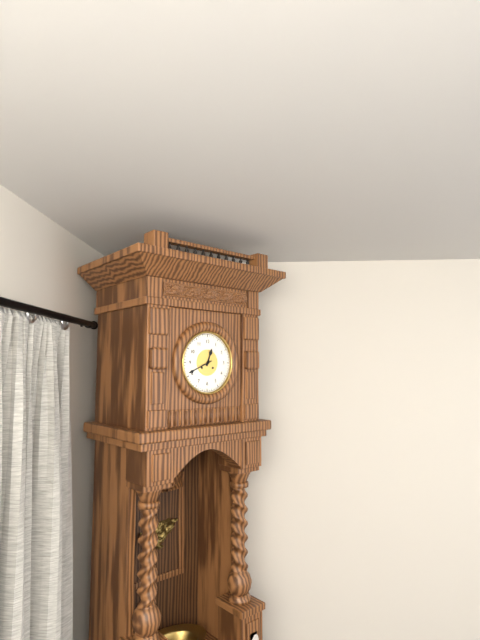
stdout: 12 h 41 min
